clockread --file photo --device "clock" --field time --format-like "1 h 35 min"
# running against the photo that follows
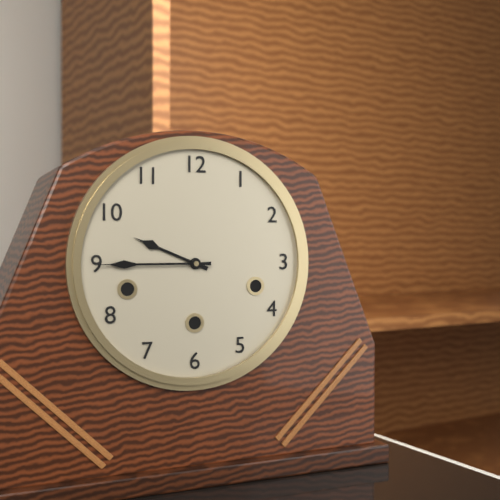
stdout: 9 h 45 min
